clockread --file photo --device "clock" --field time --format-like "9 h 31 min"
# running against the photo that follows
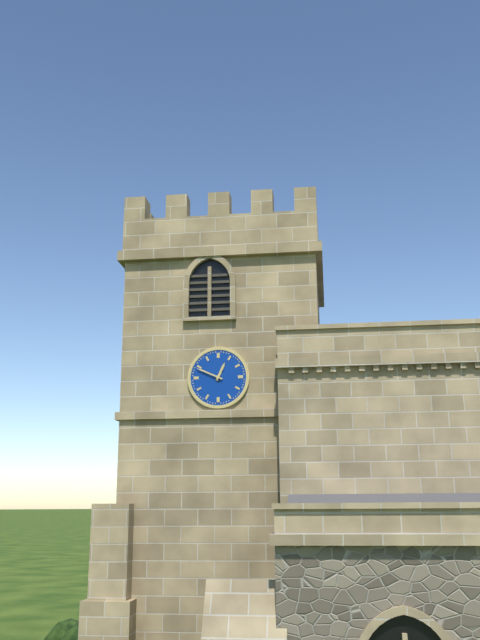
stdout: 12 h 49 min
